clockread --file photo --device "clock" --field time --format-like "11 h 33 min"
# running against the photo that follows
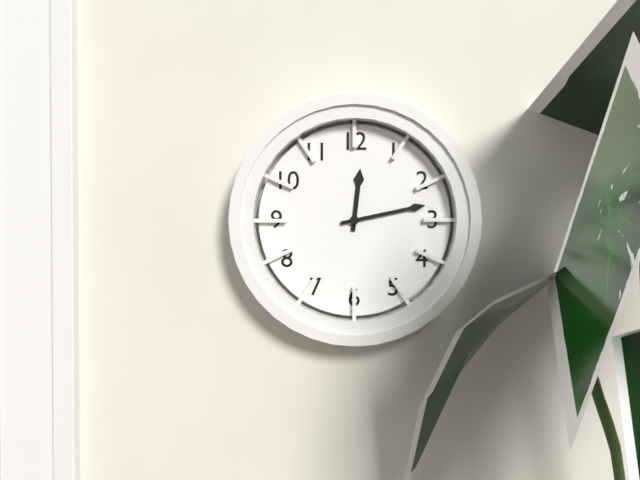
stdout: 12 h 13 min
